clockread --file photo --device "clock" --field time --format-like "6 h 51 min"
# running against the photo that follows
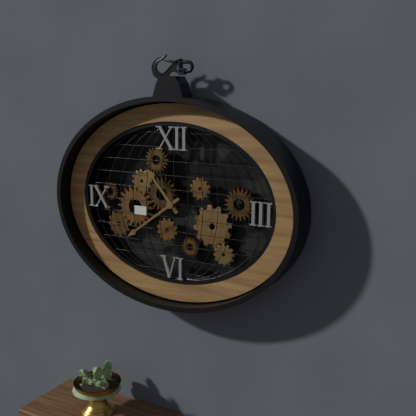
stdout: 10 h 39 min
